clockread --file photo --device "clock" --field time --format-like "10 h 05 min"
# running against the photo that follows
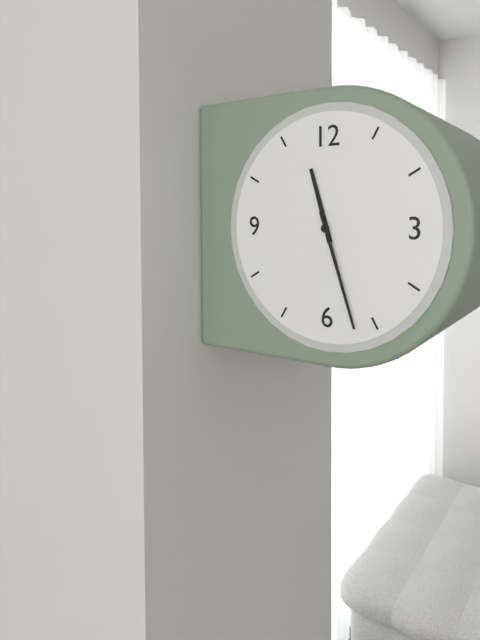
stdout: 11 h 27 min
